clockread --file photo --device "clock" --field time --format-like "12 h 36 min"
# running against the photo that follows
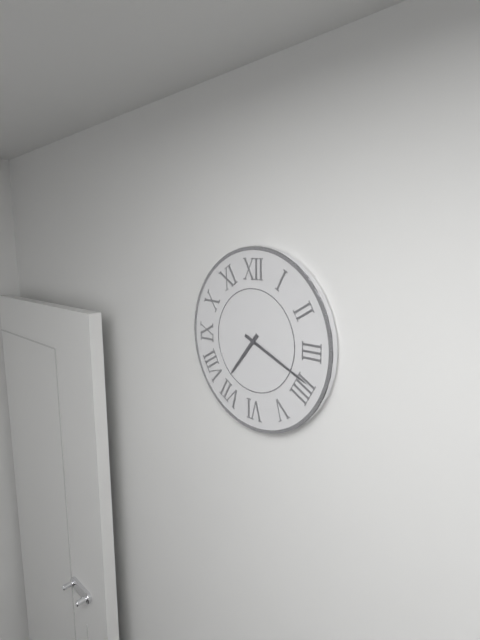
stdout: 7 h 19 min
